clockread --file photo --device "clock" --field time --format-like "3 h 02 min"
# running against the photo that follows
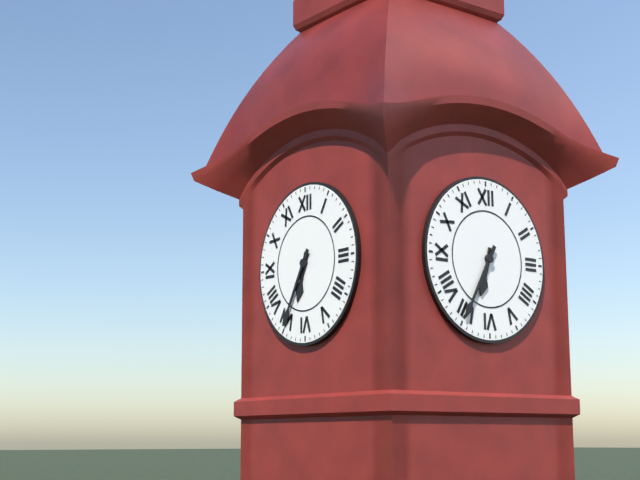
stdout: 6 h 35 min
